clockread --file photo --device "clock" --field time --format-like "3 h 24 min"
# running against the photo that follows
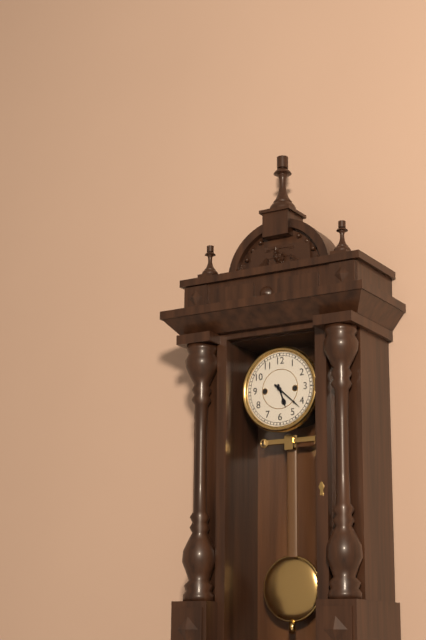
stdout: 5 h 22 min
